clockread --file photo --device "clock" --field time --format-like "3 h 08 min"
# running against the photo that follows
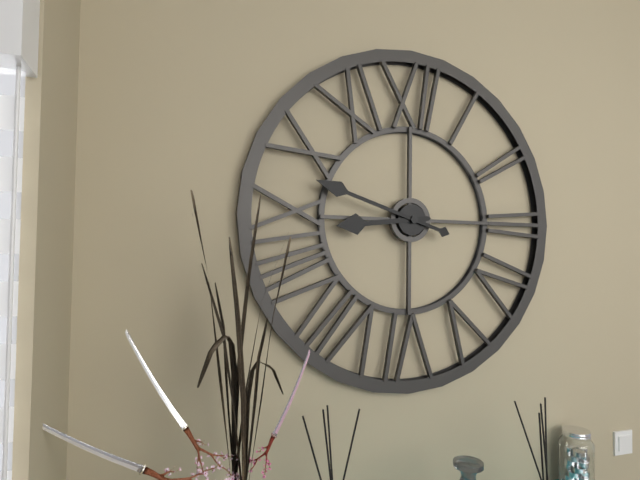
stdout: 8 h 48 min
